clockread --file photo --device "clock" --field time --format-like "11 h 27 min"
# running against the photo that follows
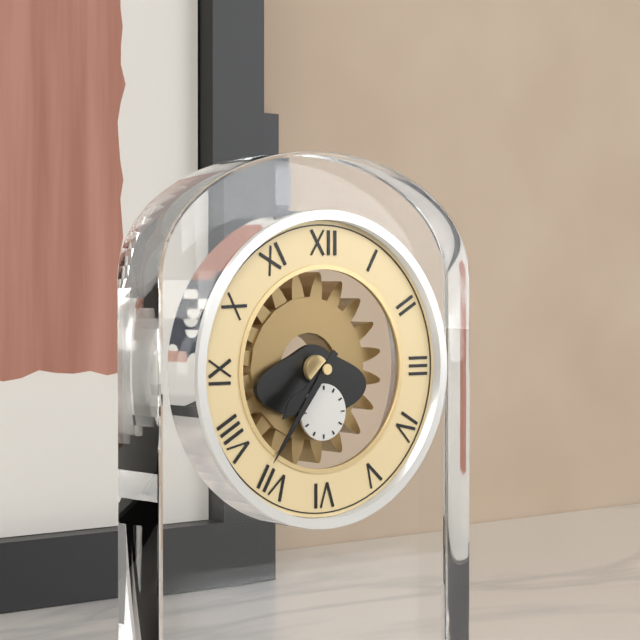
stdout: 7 h 36 min
